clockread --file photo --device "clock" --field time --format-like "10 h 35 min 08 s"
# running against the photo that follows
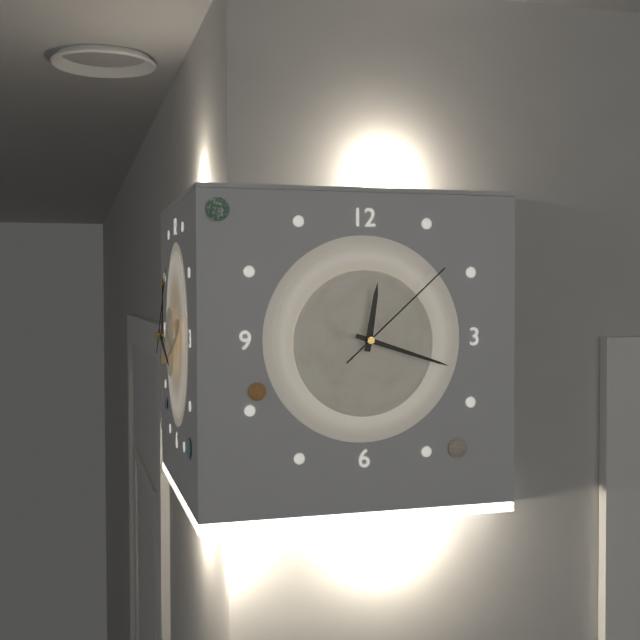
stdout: 12 h 18 min 08 s
